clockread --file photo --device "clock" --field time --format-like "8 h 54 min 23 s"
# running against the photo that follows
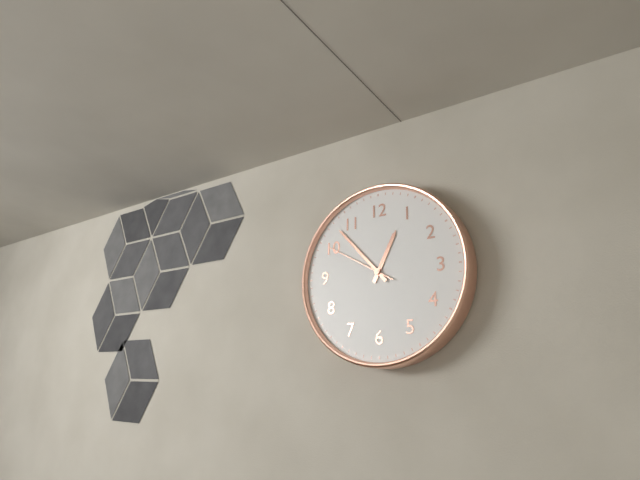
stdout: 12 h 53 min 50 s
